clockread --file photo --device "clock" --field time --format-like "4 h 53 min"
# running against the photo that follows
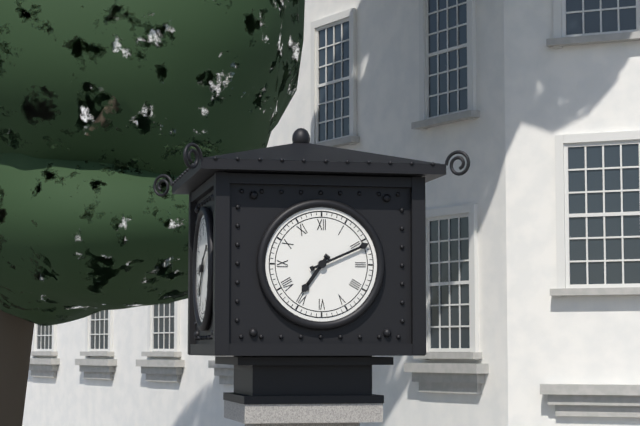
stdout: 7 h 11 min
